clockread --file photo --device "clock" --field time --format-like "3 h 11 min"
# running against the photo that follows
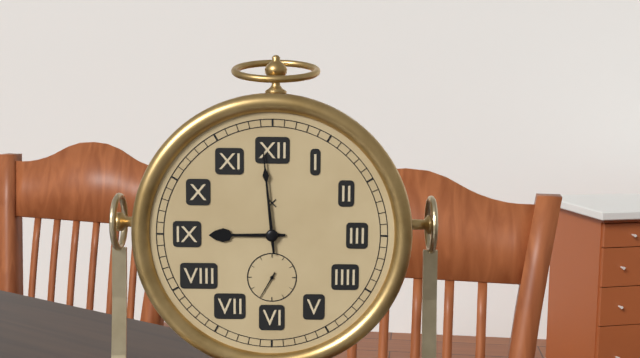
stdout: 8 h 59 min
